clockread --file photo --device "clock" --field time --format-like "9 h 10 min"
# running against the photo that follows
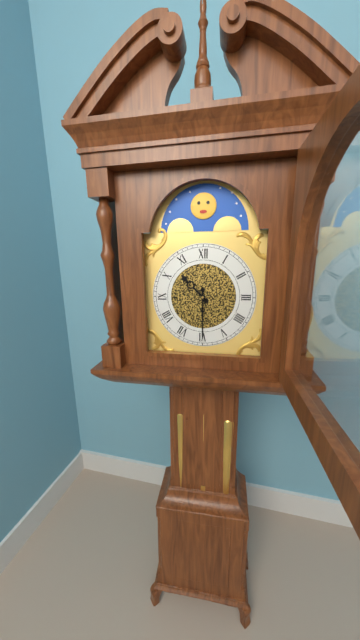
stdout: 10 h 30 min
